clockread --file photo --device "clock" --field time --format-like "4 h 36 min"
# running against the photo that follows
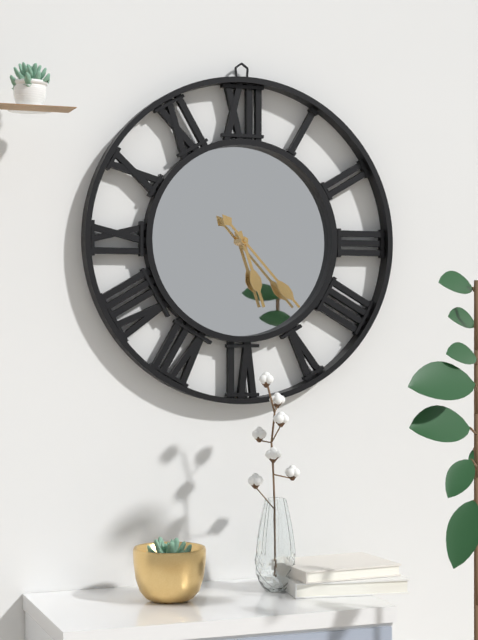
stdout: 5 h 23 min
